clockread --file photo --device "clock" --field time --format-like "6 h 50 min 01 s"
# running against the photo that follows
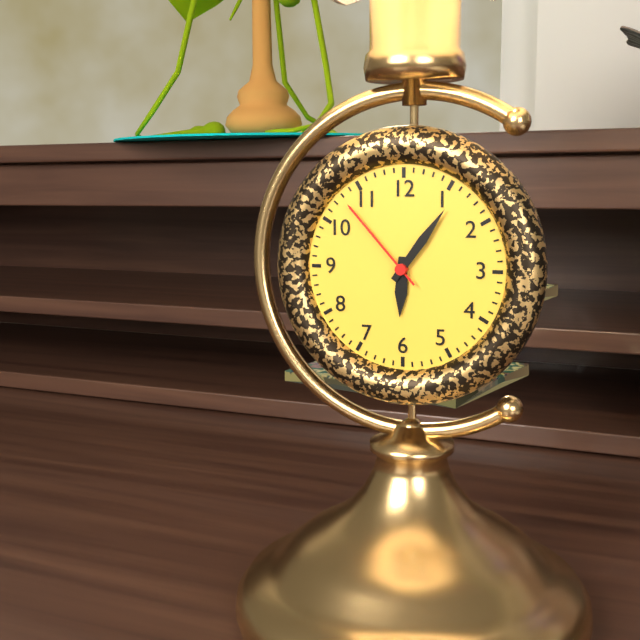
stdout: 6 h 06 min 53 s
